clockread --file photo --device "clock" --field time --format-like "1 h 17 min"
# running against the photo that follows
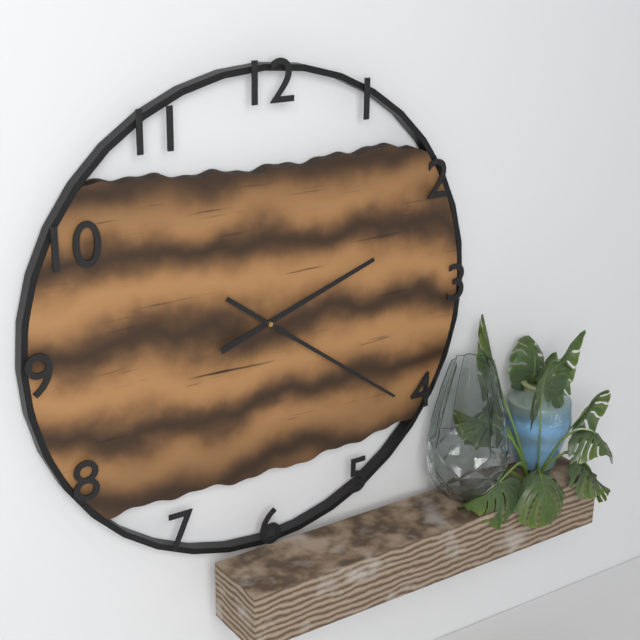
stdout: 2 h 21 min
